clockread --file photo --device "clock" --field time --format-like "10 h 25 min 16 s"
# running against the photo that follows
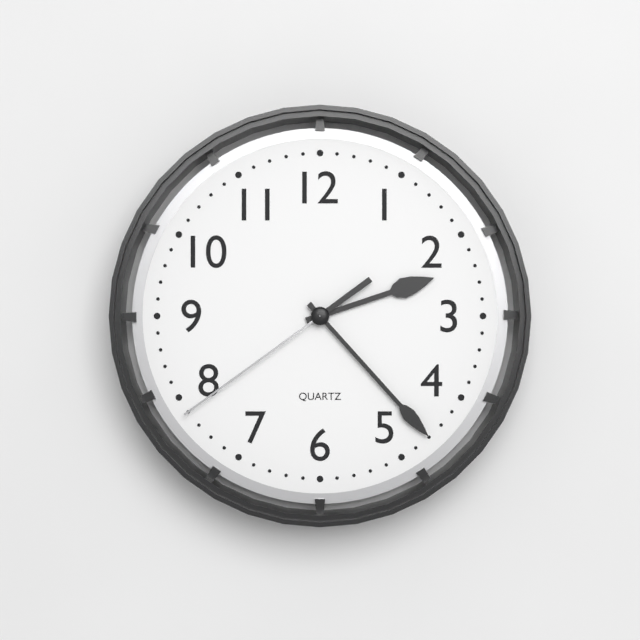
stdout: 2 h 23 min 39 s
